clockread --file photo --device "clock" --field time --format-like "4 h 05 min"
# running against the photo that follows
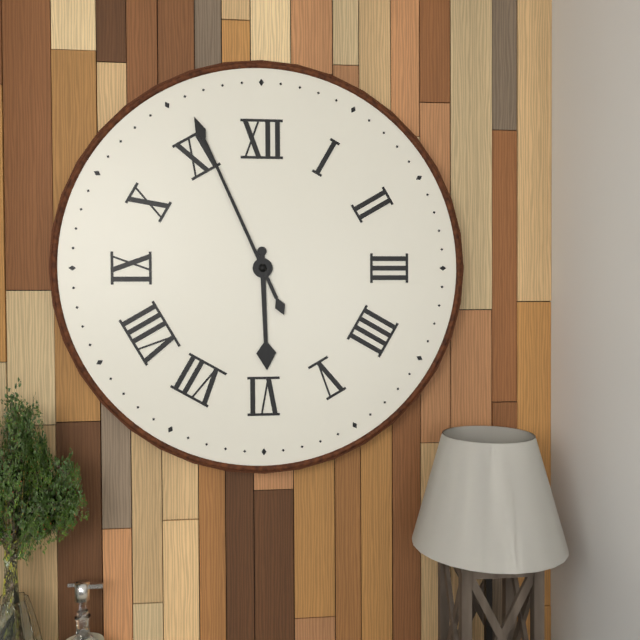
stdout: 5 h 56 min
